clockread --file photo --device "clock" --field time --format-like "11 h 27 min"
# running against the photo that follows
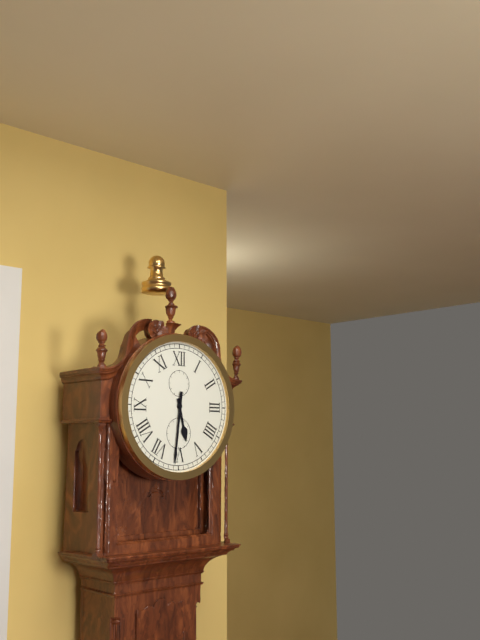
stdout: 5 h 31 min
